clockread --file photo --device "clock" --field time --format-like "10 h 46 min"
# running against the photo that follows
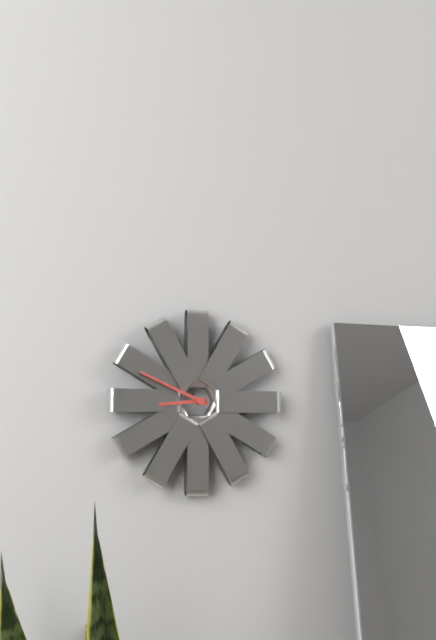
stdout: 8 h 49 min
